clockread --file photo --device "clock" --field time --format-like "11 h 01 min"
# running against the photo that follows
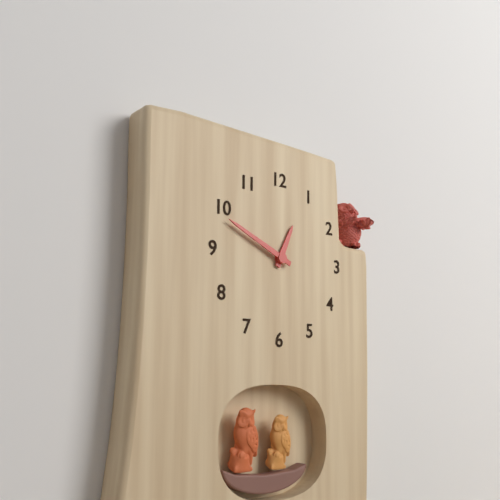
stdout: 12 h 49 min
